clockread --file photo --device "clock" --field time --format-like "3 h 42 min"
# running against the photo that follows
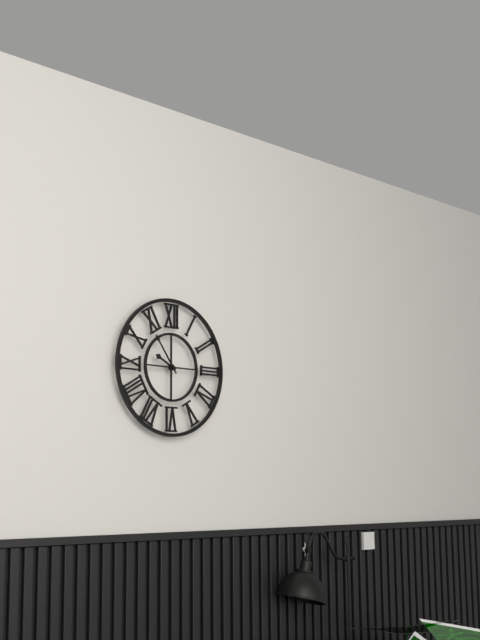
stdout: 9 h 54 min
